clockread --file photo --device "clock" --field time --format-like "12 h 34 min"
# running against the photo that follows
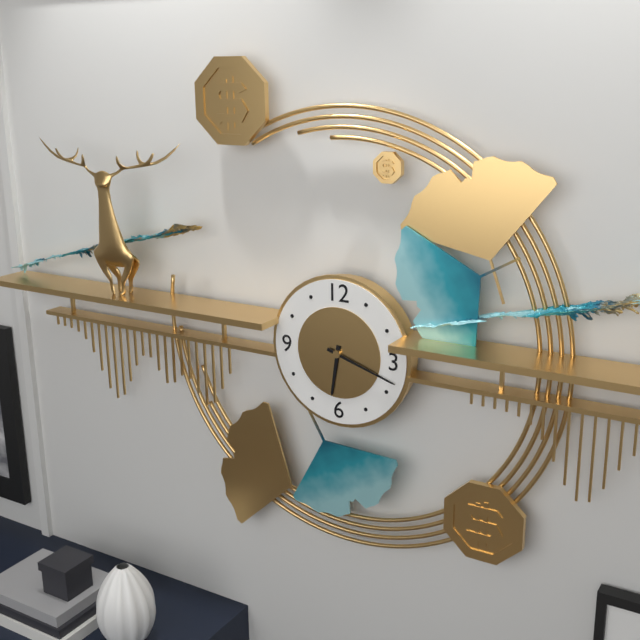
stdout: 6 h 18 min
